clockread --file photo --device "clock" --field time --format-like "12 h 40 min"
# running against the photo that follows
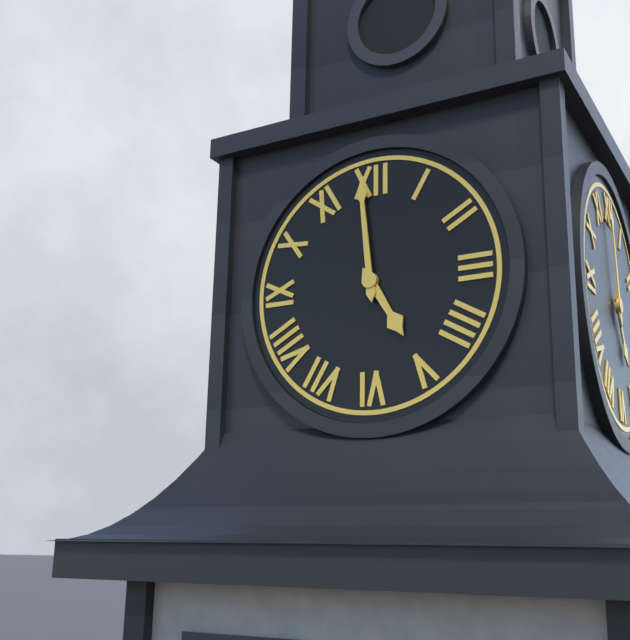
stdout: 4 h 59 min
